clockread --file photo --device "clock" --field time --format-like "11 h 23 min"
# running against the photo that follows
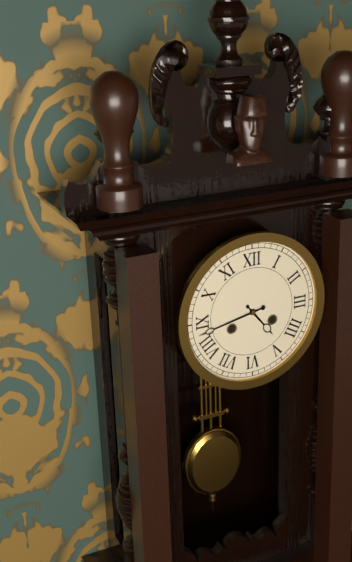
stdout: 4 h 43 min
